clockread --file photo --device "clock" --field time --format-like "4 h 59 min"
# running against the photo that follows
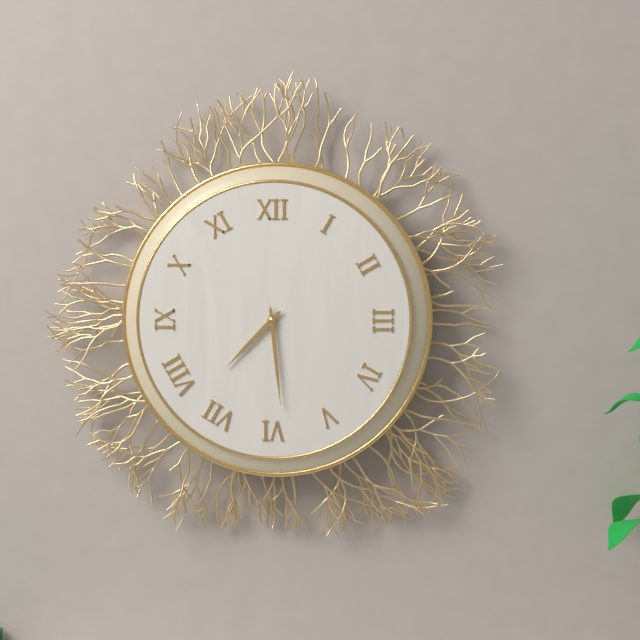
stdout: 7 h 29 min
